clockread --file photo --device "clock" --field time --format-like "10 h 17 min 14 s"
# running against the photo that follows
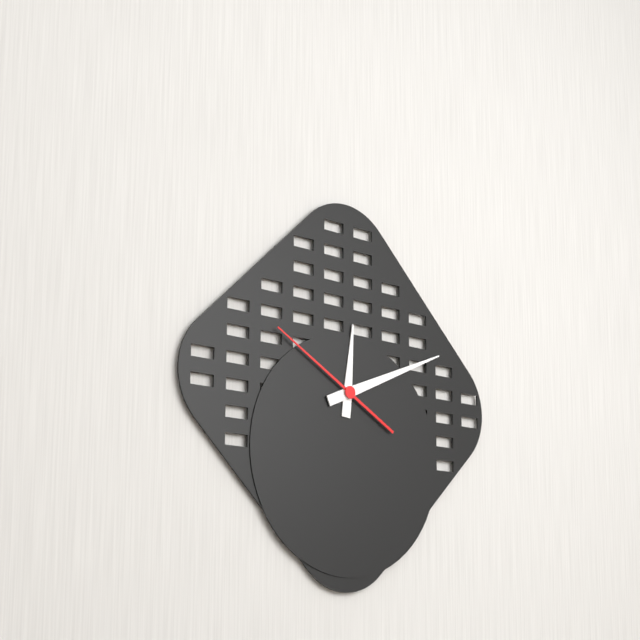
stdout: 12 h 11 min 50 s
